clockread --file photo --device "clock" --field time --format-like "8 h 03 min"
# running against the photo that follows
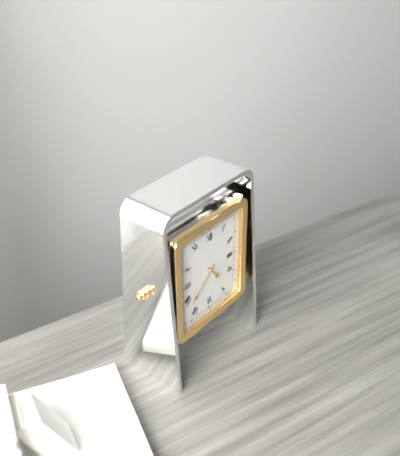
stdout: 4 h 38 min
